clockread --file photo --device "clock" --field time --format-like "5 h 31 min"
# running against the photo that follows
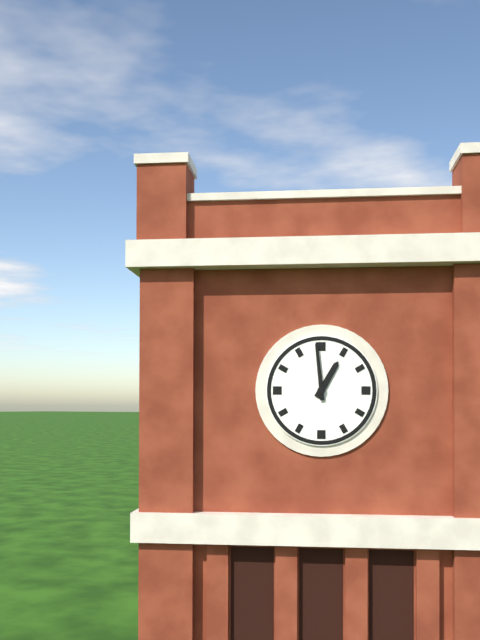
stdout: 12 h 59 min
